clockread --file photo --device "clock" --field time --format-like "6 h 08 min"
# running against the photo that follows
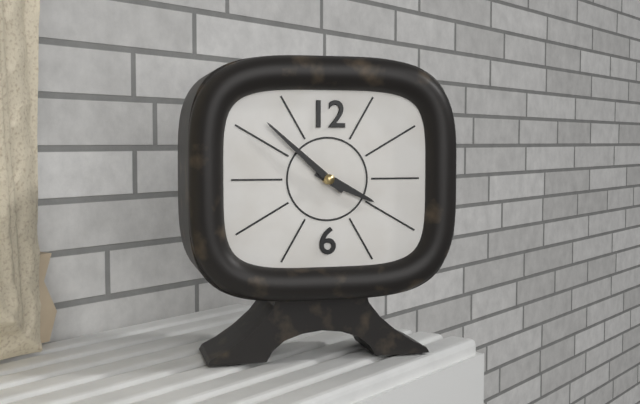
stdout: 3 h 52 min
